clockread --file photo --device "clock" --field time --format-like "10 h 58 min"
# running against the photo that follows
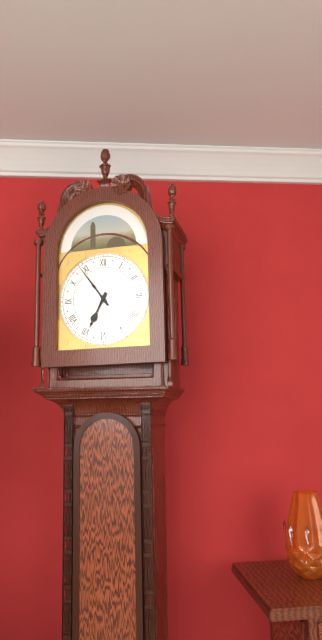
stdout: 6 h 54 min
